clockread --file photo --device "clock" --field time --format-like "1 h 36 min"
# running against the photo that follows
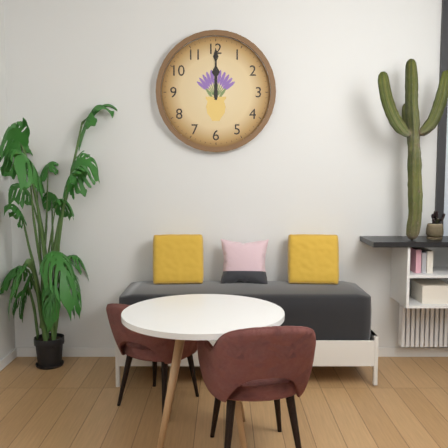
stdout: 12 h 00 min
